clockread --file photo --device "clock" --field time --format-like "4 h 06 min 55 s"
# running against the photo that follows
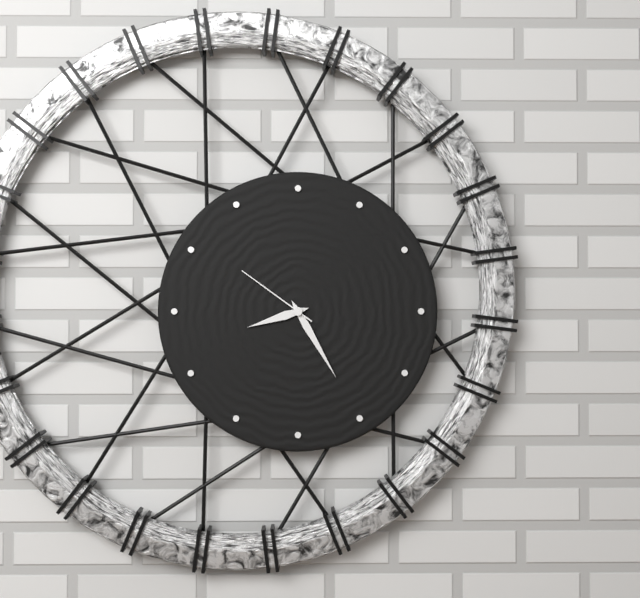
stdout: 8 h 25 min 51 s
